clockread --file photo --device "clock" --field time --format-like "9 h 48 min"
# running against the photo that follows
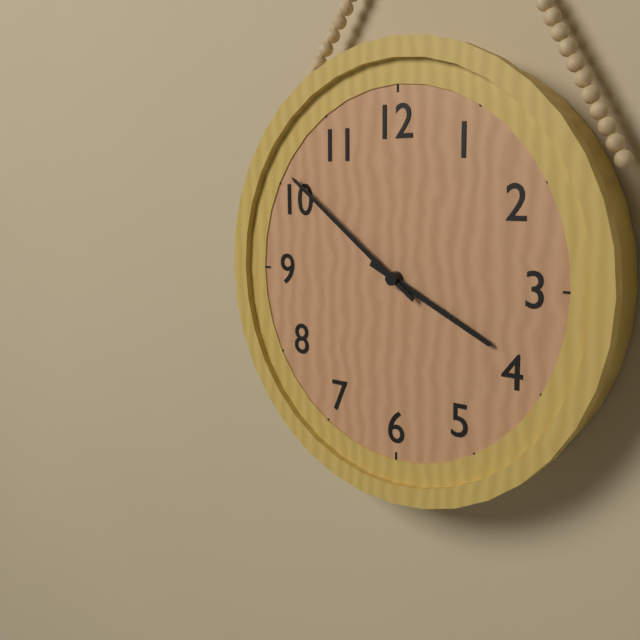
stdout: 3 h 51 min
